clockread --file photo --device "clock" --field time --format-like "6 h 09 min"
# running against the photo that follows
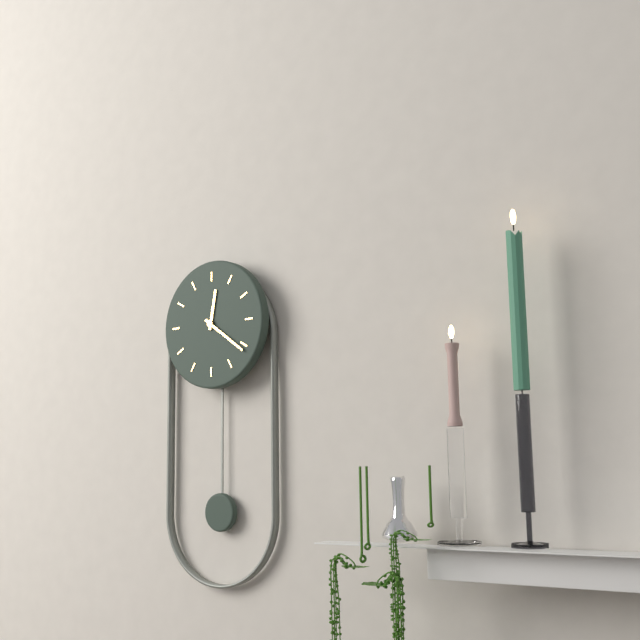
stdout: 12 h 21 min
